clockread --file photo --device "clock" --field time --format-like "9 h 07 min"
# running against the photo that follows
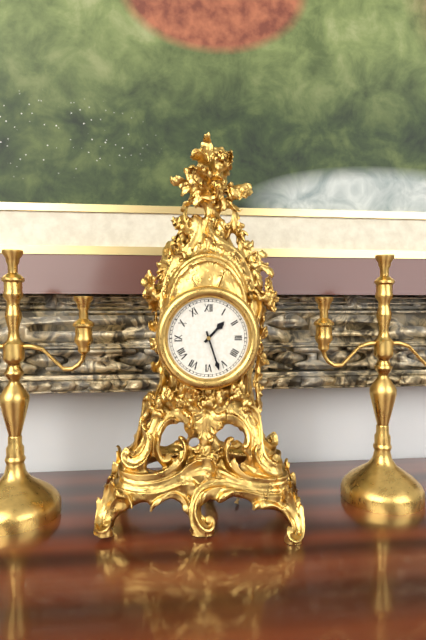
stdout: 1 h 27 min
